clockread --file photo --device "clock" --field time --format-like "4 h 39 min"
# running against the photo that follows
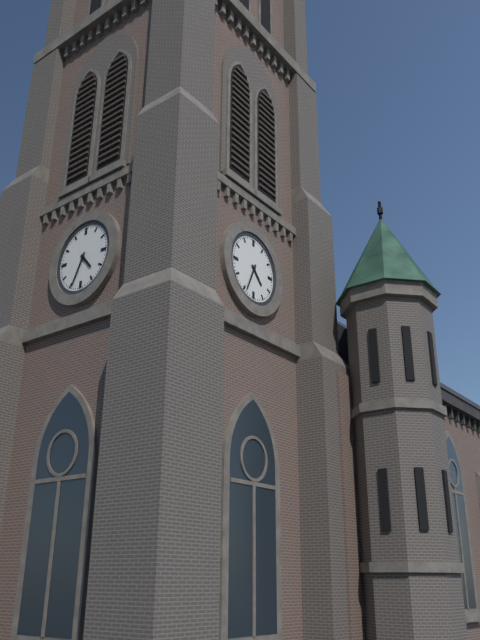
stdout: 4 h 34 min
